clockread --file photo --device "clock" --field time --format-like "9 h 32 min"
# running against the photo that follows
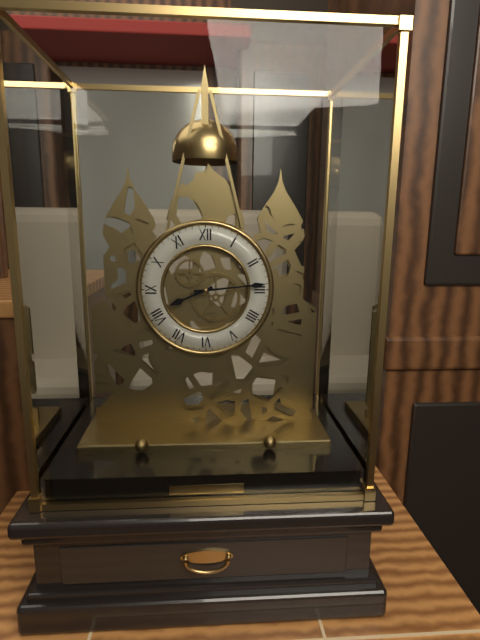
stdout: 8 h 14 min
